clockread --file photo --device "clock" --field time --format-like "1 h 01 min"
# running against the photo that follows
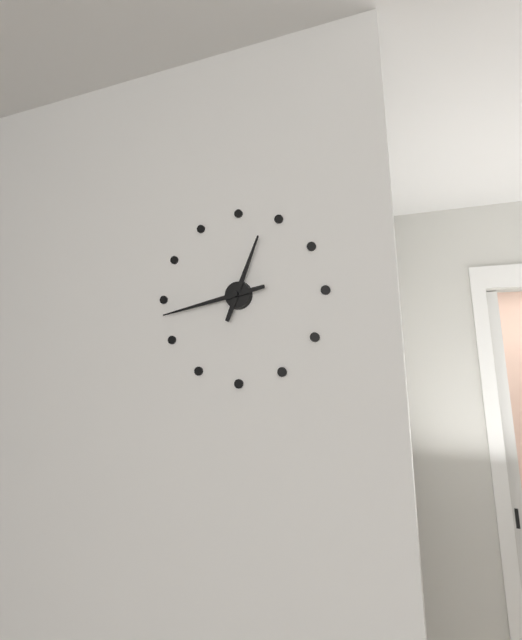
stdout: 12 h 43 min
